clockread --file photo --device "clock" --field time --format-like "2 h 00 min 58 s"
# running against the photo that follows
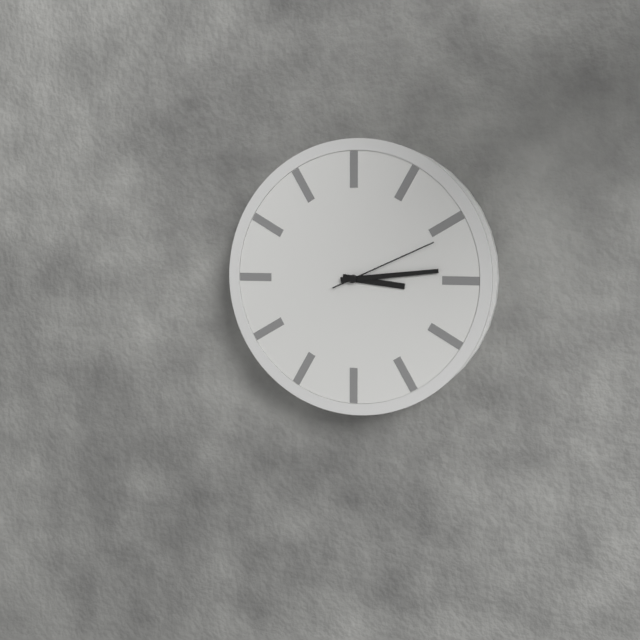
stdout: 3 h 14 min 11 s
